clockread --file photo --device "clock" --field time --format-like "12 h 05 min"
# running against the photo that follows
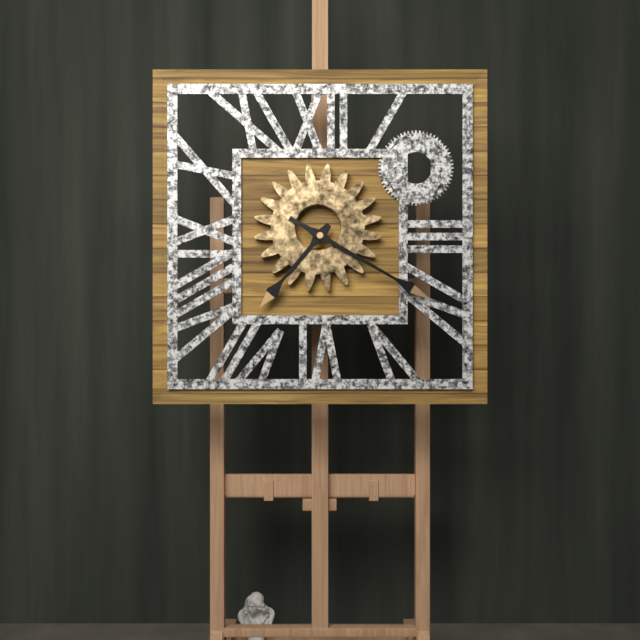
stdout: 7 h 20 min
